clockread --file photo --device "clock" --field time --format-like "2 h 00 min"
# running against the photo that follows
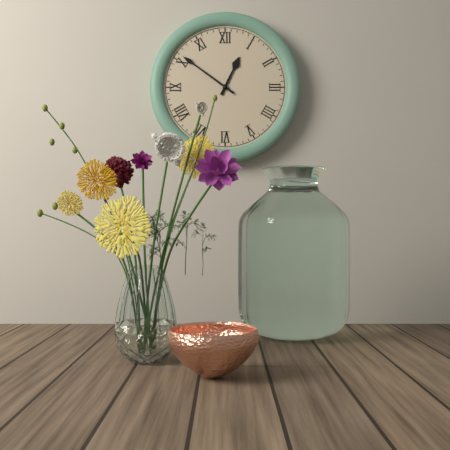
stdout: 12 h 51 min
